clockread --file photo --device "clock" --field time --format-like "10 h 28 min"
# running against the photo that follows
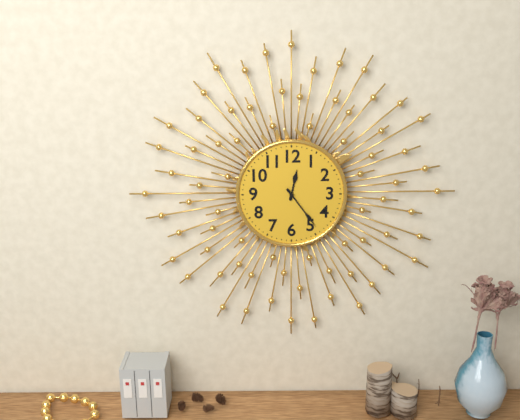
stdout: 12 h 24 min
